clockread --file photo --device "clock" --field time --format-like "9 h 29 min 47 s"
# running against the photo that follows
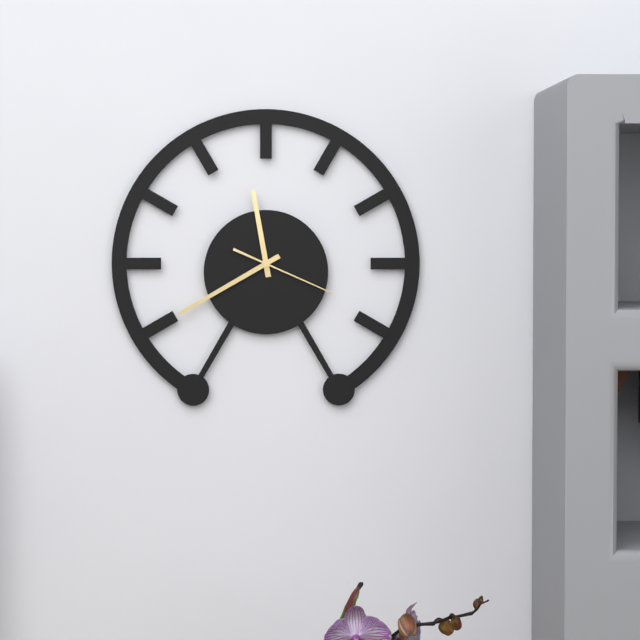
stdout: 11 h 40 min 19 s
